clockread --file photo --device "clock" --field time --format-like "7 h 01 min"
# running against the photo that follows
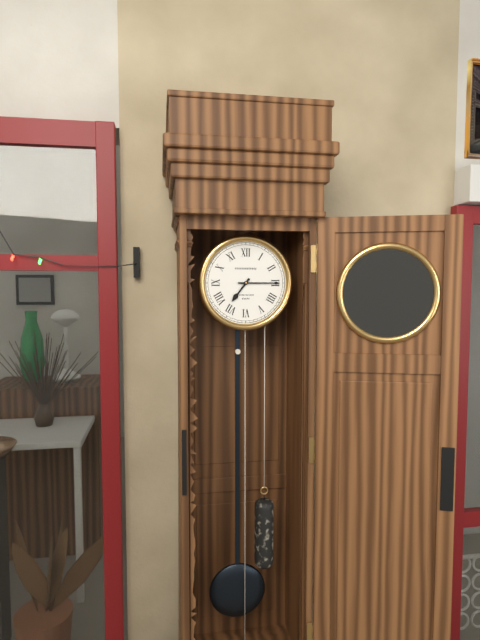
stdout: 7 h 15 min
